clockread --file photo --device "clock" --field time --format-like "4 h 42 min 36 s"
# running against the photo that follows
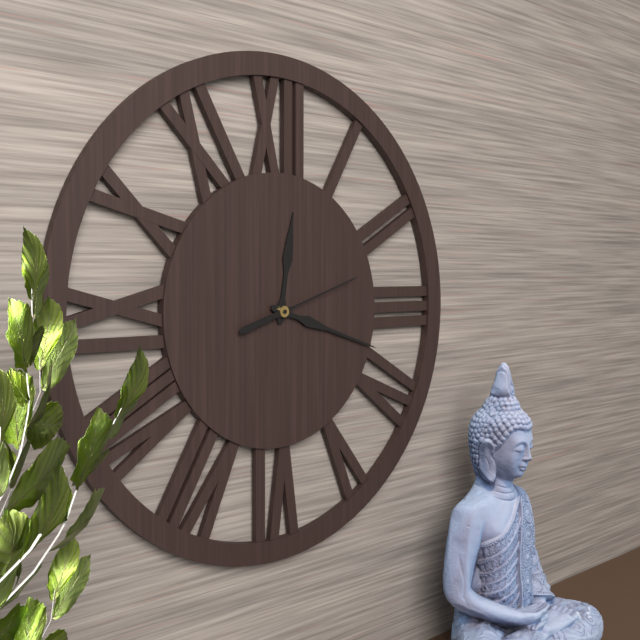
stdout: 12 h 18 min 12 s
